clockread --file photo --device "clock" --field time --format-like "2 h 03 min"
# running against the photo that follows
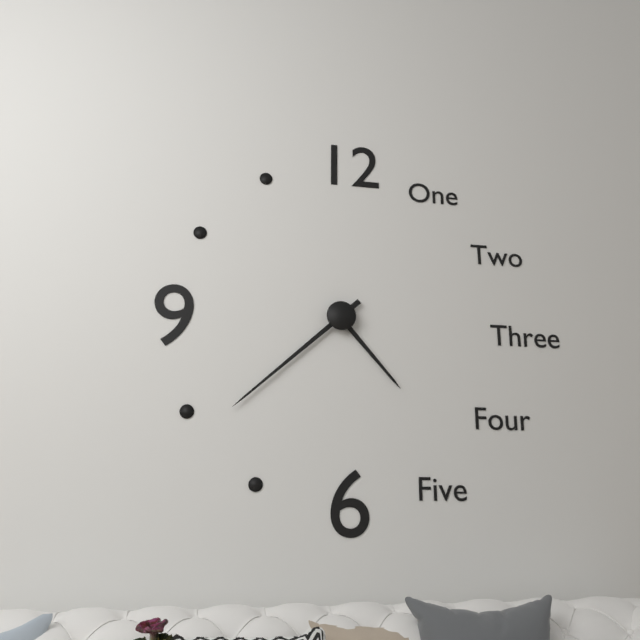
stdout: 4 h 38 min
